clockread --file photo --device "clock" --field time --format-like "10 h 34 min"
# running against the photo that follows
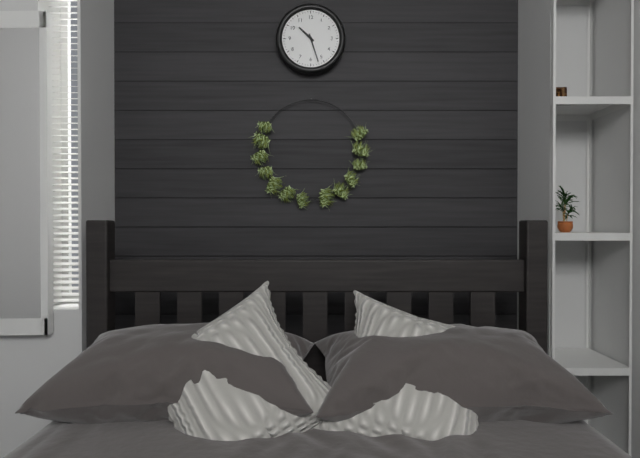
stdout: 10 h 27 min
